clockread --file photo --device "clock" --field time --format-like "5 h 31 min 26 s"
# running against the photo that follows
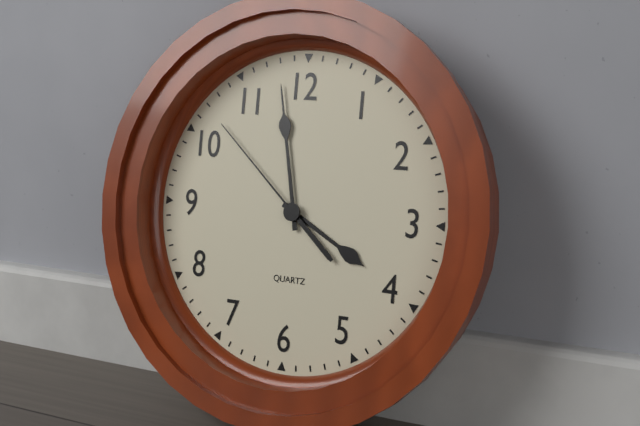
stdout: 3 h 58 min 52 s
